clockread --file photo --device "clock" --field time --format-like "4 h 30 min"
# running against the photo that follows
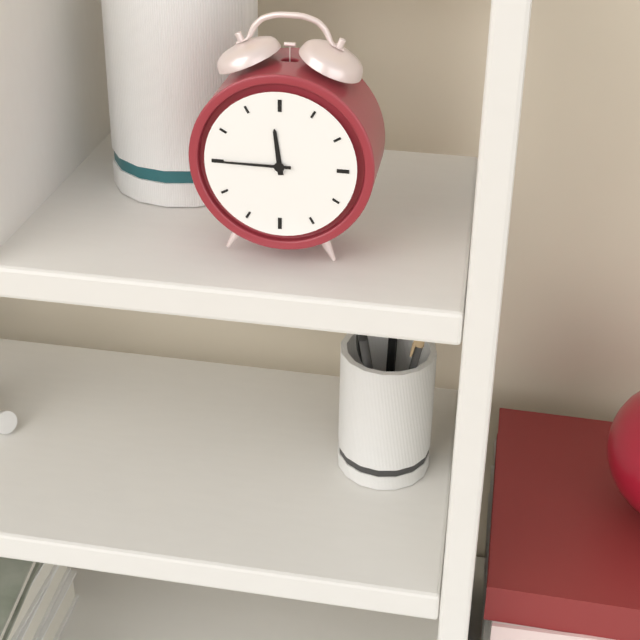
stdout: 11 h 45 min
